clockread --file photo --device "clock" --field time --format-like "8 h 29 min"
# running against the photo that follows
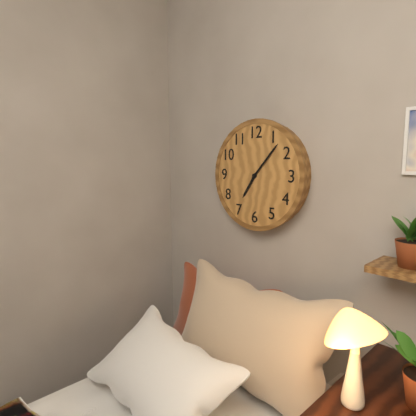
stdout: 7 h 07 min
